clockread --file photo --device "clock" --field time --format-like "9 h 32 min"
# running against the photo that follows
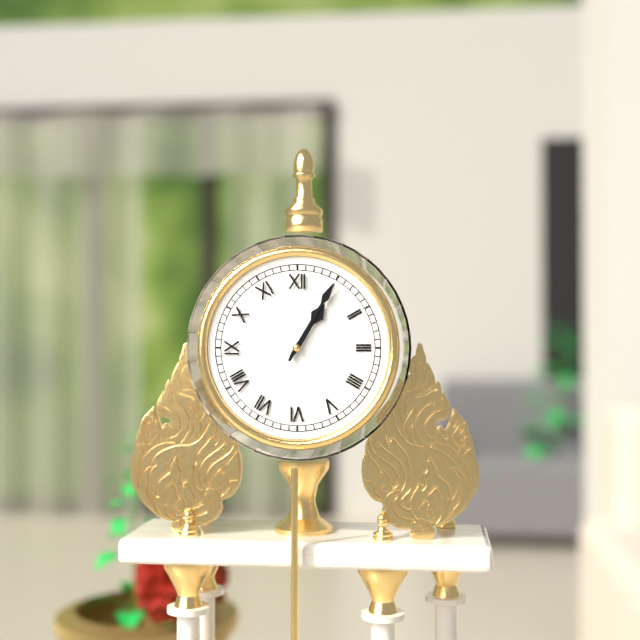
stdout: 1 h 05 min
